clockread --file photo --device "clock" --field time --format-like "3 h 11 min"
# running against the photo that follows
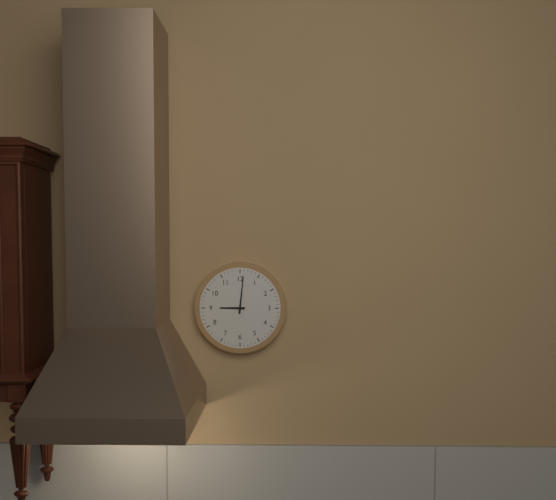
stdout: 9 h 01 min
